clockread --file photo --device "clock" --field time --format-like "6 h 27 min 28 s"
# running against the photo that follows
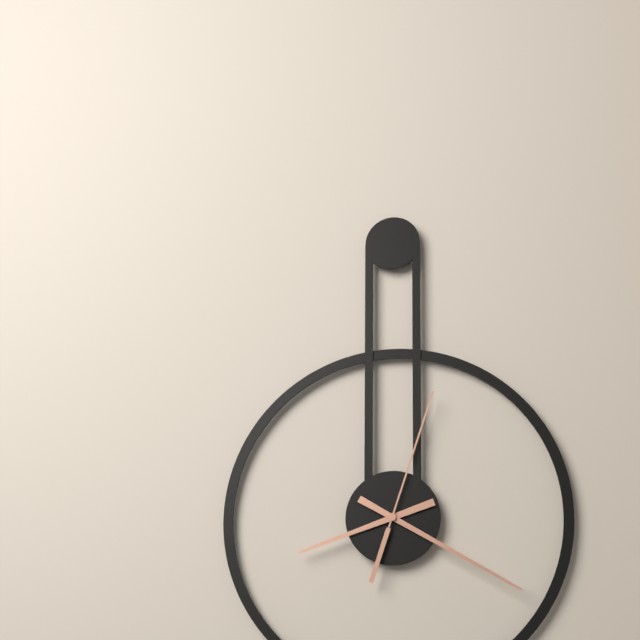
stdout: 8 h 20 min 03 s
